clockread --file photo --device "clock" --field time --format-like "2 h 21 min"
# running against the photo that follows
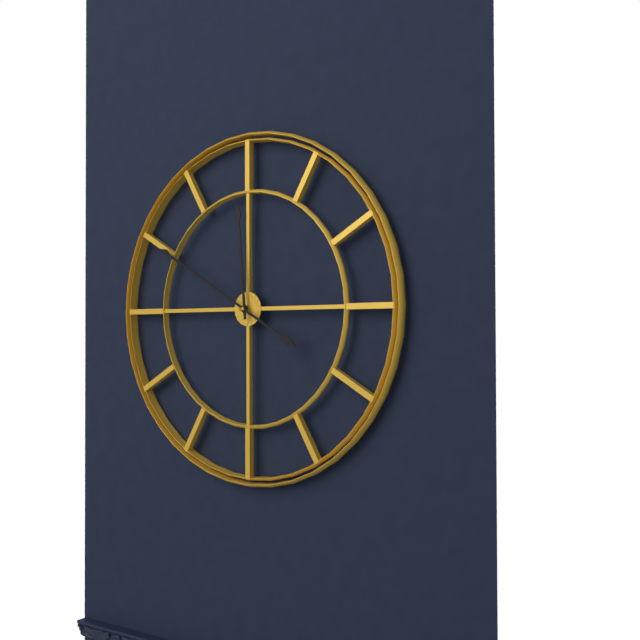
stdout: 11 h 50 min
